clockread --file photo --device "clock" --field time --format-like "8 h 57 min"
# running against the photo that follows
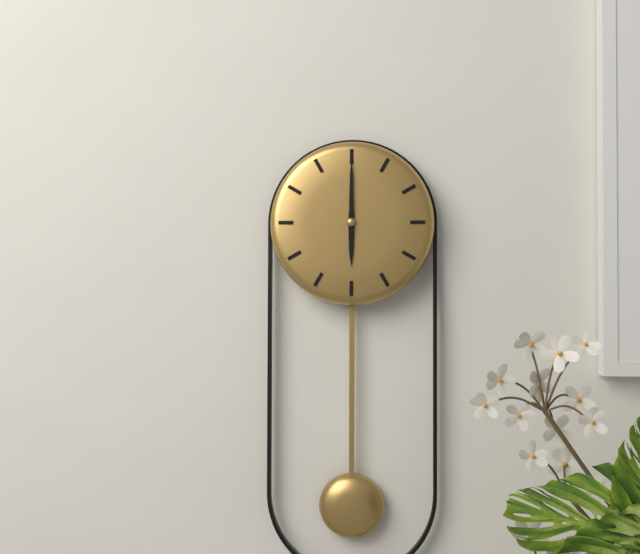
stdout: 6 h 00 min
